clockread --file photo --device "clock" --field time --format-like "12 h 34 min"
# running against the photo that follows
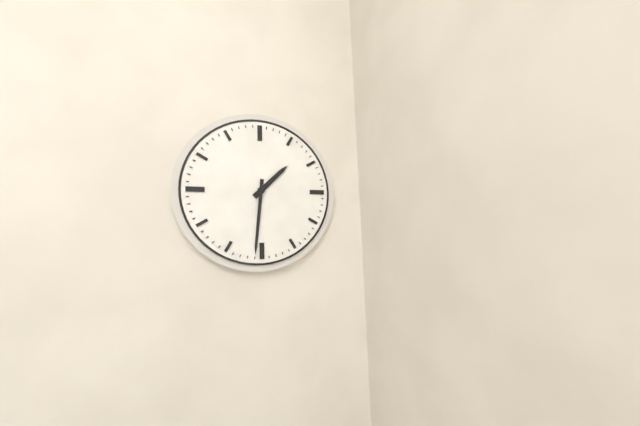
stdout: 1 h 31 min
